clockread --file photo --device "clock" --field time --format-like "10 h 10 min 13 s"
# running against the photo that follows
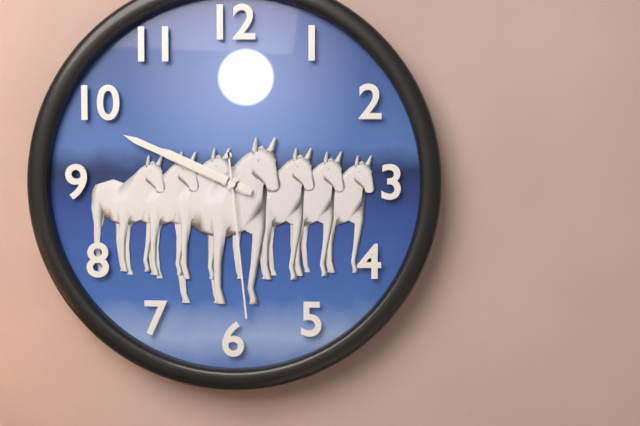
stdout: 9 h 49 min 29 s
